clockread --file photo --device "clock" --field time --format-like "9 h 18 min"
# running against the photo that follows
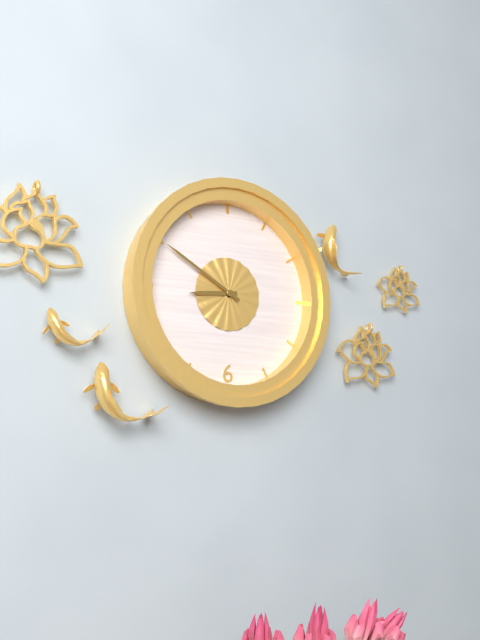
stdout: 8 h 50 min
